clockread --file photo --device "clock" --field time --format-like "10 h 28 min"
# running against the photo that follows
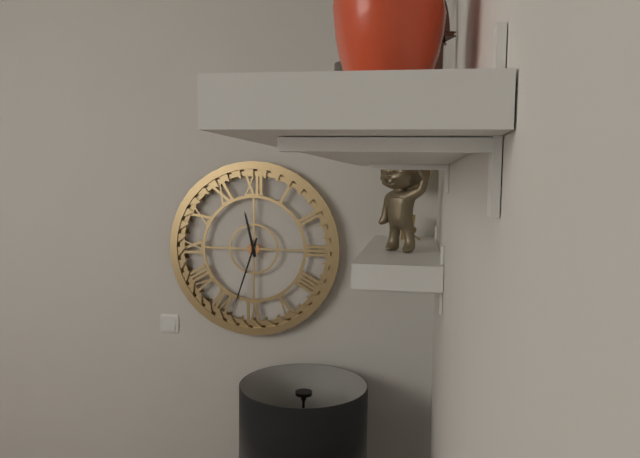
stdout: 11 h 33 min
